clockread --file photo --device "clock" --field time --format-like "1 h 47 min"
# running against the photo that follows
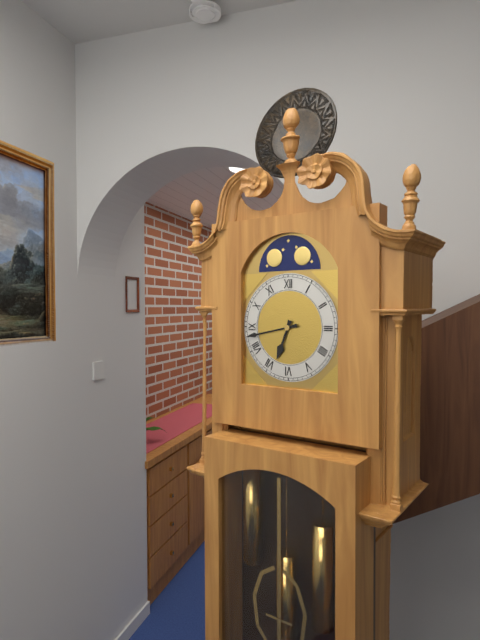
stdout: 6 h 43 min
